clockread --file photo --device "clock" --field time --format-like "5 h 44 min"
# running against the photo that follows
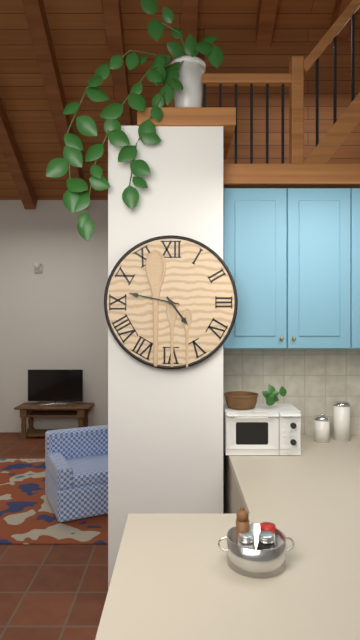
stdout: 4 h 47 min
